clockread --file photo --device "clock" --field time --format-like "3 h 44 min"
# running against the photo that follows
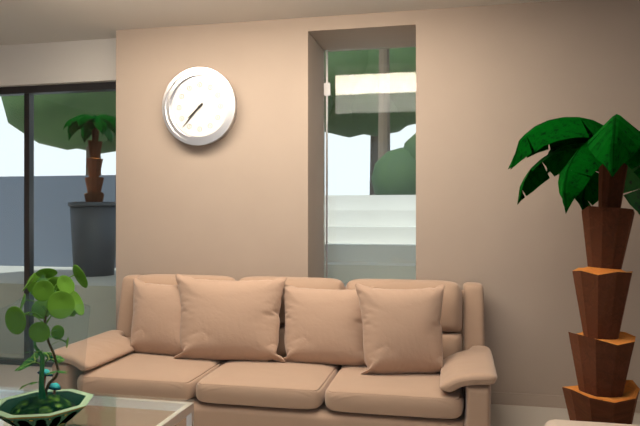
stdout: 7 h 37 min
